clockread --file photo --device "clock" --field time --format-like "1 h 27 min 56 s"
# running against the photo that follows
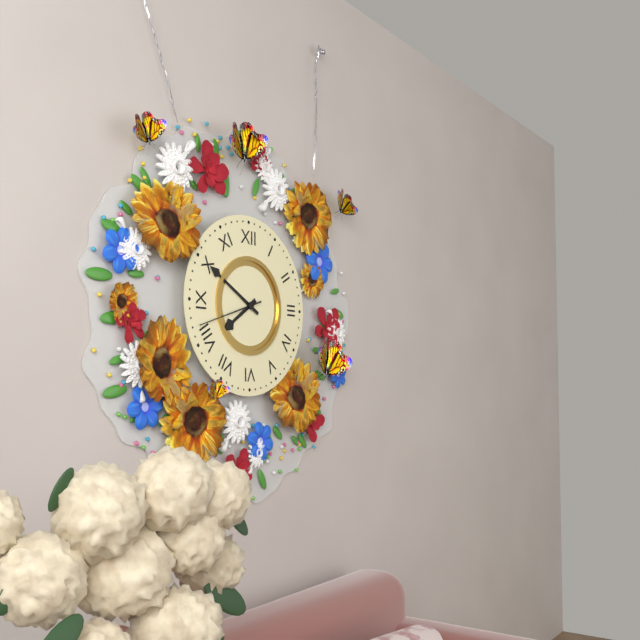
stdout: 7 h 50 min 42 s
